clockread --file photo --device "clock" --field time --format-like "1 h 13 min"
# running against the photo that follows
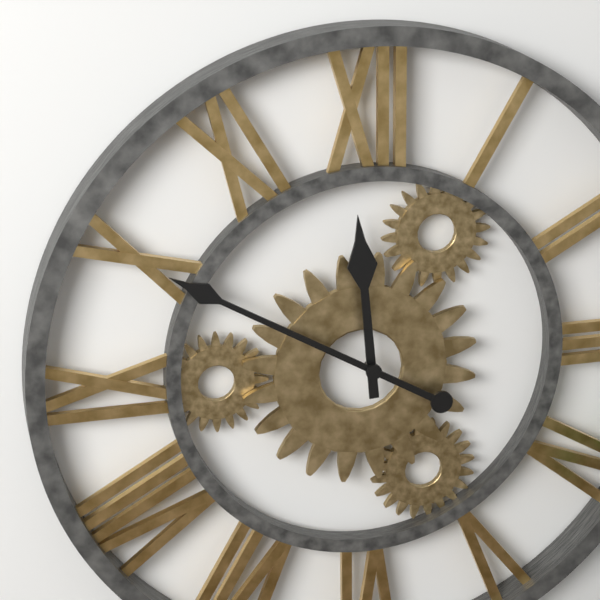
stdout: 11 h 50 min
